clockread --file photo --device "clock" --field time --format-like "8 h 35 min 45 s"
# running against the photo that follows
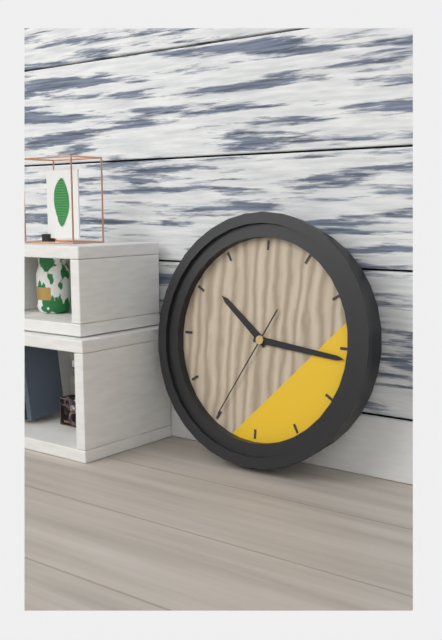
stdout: 10 h 16 min 35 s
